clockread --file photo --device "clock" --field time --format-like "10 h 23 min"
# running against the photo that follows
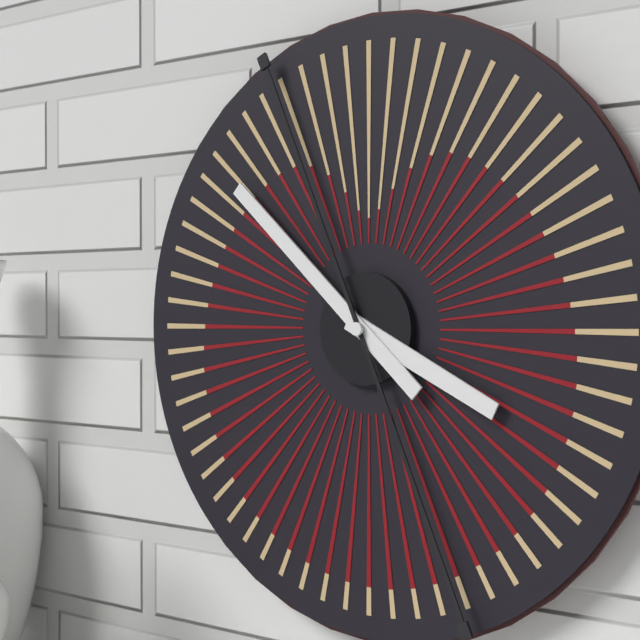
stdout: 3 h 52 min
